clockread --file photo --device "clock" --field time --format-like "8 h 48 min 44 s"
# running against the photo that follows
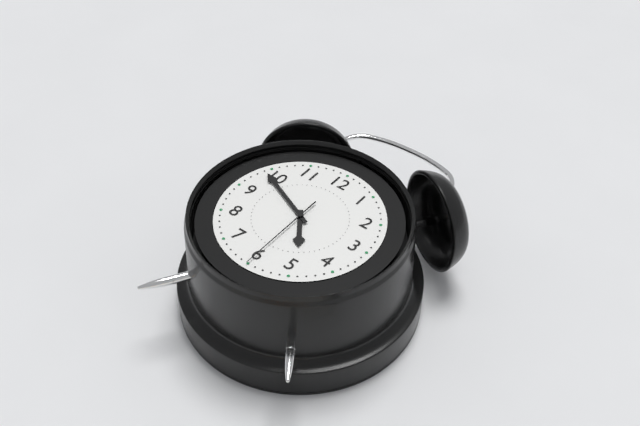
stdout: 4 h 49 min 30 s
